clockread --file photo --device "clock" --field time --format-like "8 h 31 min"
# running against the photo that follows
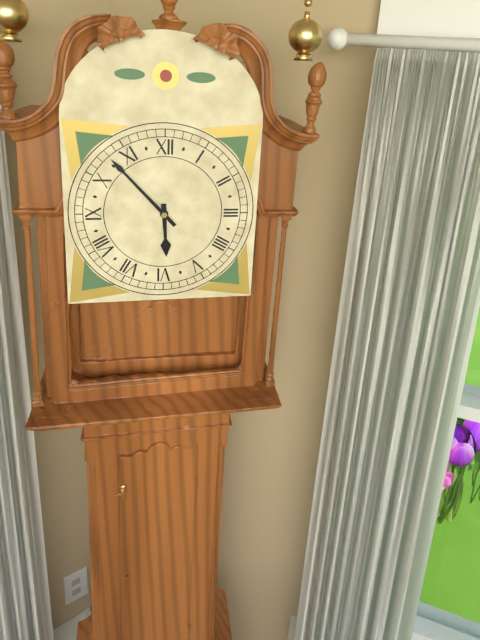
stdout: 5 h 53 min
